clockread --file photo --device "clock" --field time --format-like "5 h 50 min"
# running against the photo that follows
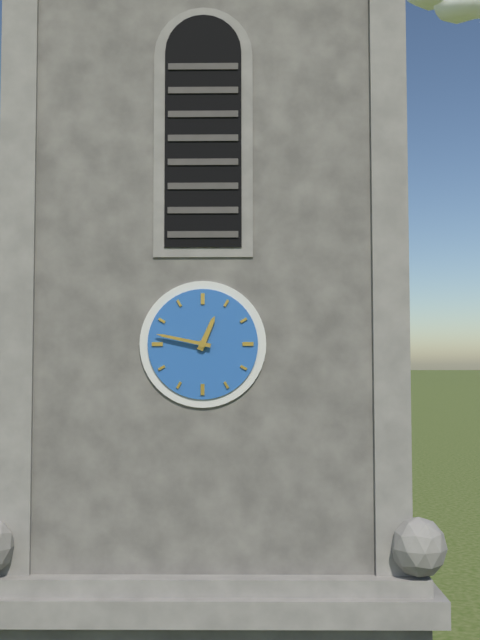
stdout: 12 h 47 min
